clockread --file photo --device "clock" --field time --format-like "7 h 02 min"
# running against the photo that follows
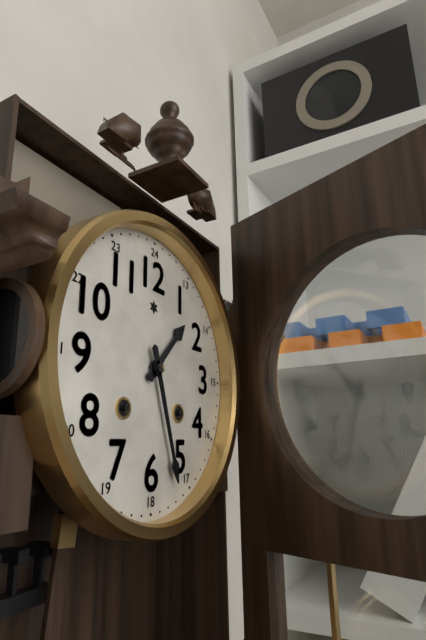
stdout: 1 h 27 min
